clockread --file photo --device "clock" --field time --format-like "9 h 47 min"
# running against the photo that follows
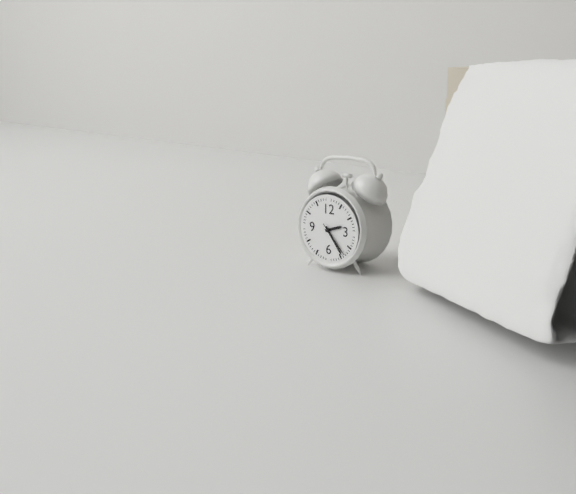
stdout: 2 h 24 min
